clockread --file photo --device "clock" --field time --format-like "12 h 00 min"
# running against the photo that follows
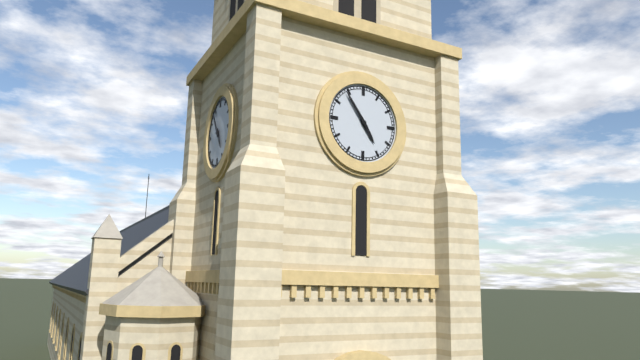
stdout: 4 h 54 min
